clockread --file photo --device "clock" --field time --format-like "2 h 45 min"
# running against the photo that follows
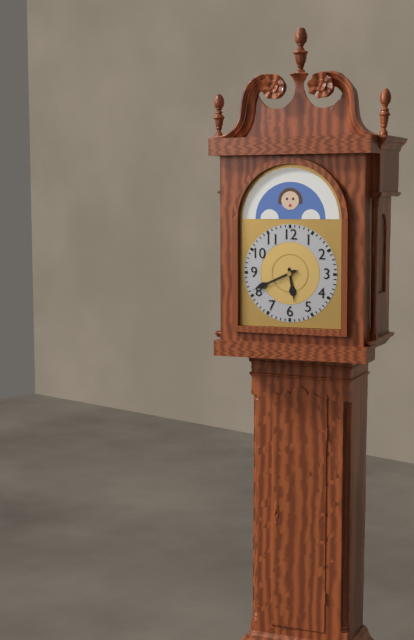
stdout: 5 h 41 min
